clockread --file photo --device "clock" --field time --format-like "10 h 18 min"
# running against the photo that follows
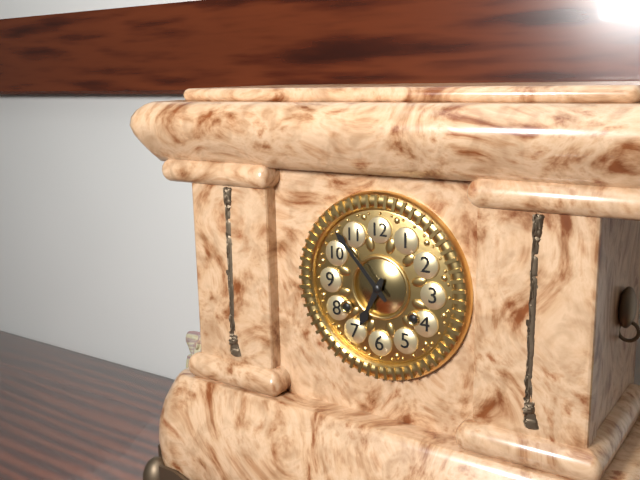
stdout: 6 h 53 min
